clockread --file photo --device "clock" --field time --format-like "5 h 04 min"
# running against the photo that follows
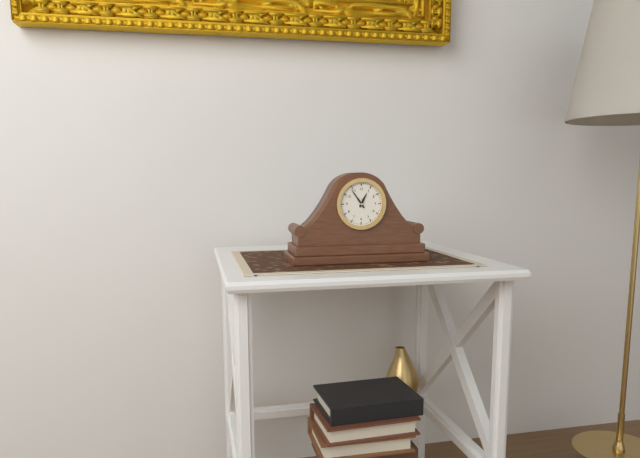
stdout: 12 h 54 min
